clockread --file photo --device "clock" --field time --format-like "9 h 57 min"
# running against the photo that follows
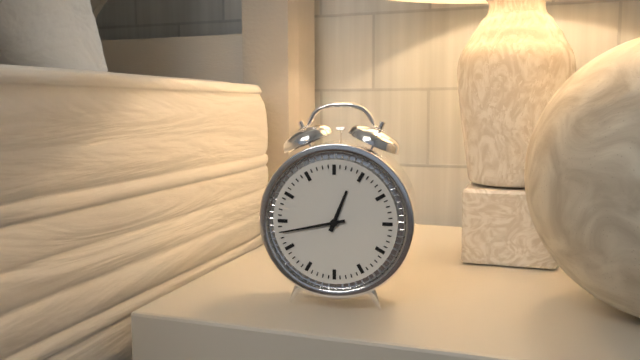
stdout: 12 h 43 min
